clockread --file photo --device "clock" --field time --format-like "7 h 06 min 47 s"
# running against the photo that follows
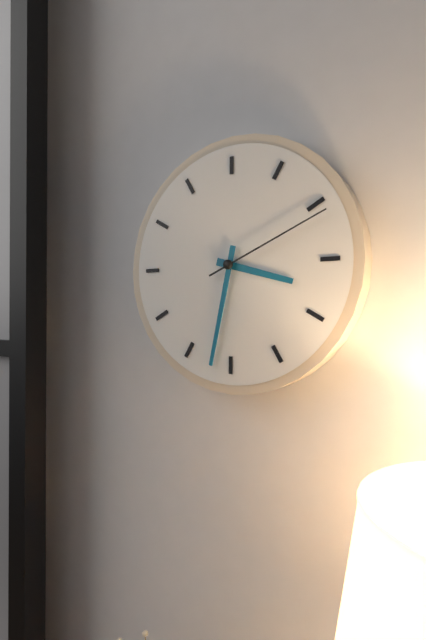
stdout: 3 h 32 min 11 s
